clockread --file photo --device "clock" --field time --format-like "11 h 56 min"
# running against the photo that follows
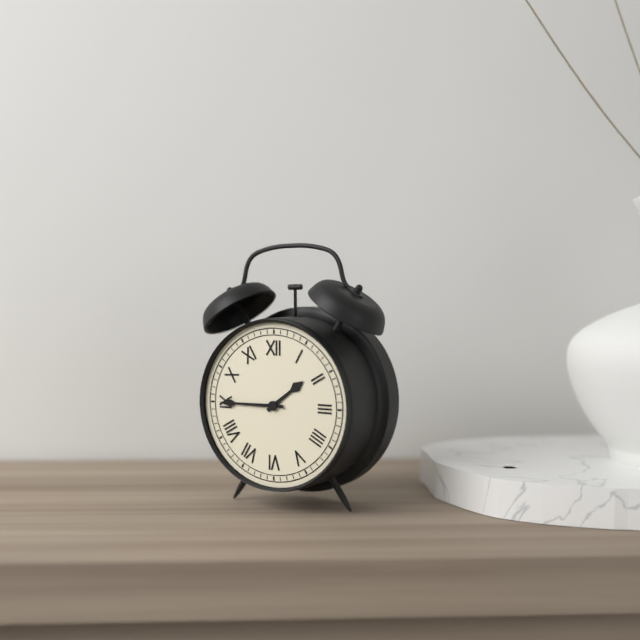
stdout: 1 h 45 min
